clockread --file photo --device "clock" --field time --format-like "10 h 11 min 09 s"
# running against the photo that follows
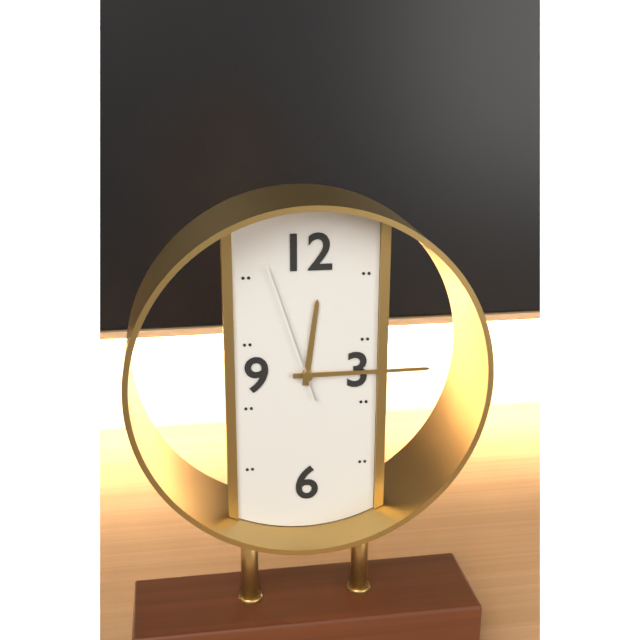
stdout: 12 h 15 min 57 s
